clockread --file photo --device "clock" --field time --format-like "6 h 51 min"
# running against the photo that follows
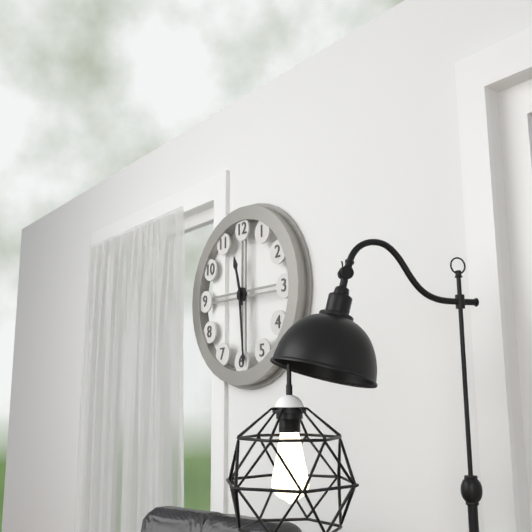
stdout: 11 h 29 min
